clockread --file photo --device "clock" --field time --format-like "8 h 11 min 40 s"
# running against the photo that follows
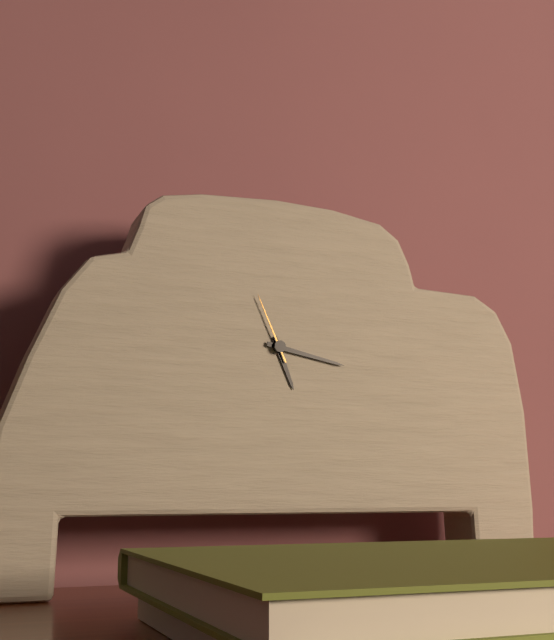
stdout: 5 h 17 min 56 s
